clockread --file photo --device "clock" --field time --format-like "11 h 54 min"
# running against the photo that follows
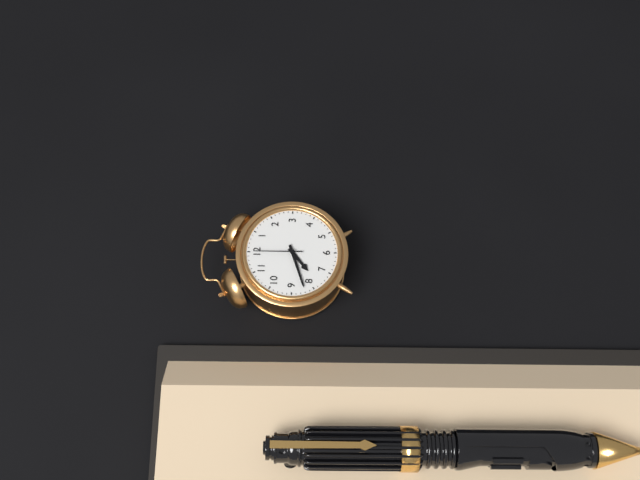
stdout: 7 h 42 min
